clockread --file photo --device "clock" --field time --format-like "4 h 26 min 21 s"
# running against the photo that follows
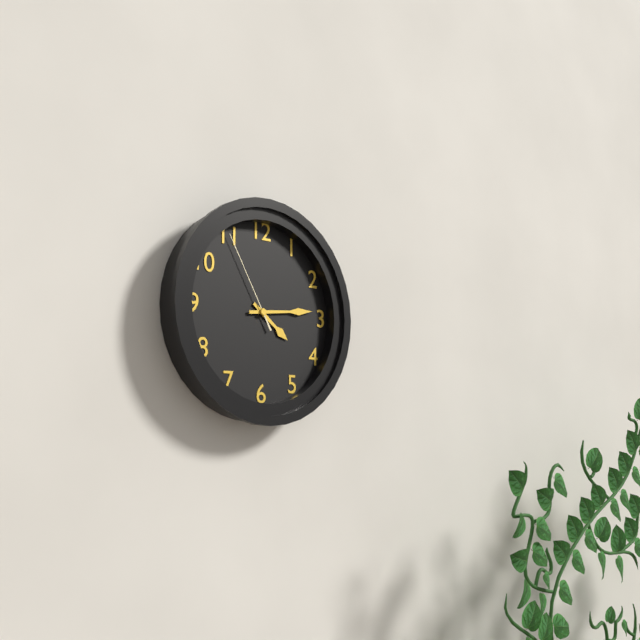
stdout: 4 h 14 min 55 s
